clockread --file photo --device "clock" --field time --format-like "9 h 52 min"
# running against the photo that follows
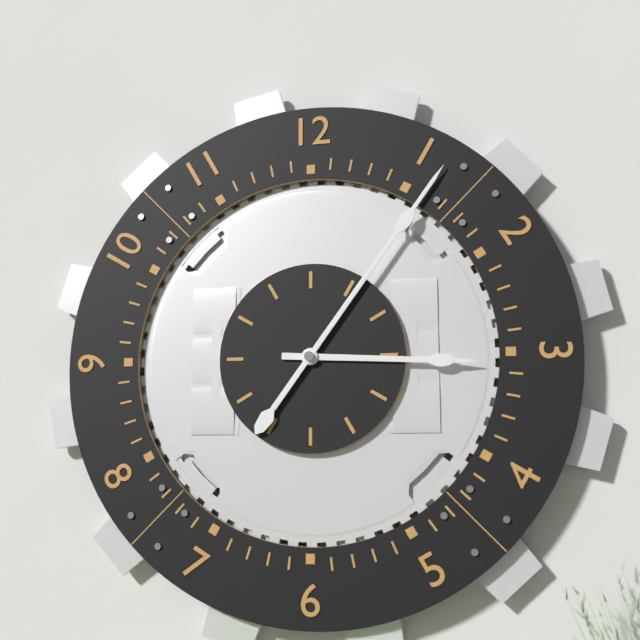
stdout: 3 h 06 min
